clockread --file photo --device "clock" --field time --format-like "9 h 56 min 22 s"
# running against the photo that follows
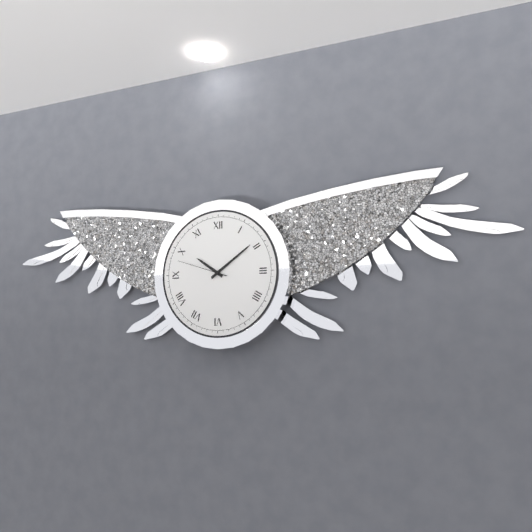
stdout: 10 h 09 min 48 s
